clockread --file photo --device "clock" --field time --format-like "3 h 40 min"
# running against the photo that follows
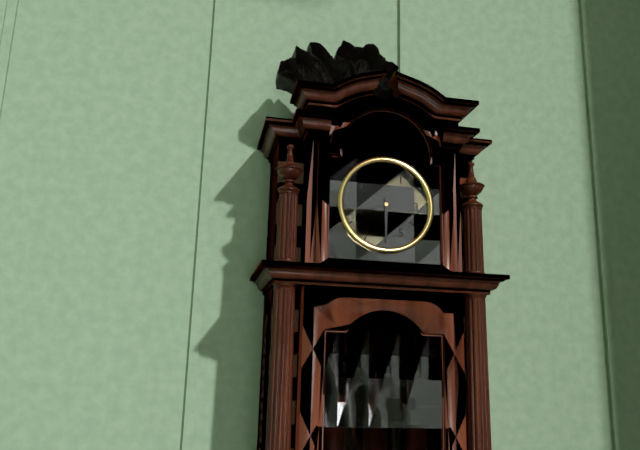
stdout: 8 h 30 min
